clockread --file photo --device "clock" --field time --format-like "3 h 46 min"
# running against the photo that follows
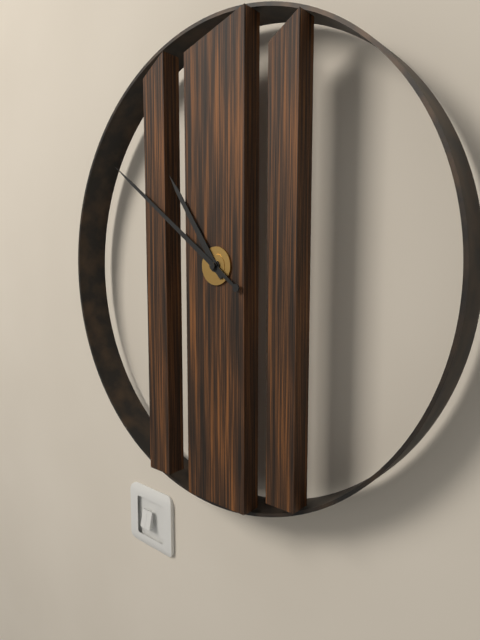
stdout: 10 h 51 min
